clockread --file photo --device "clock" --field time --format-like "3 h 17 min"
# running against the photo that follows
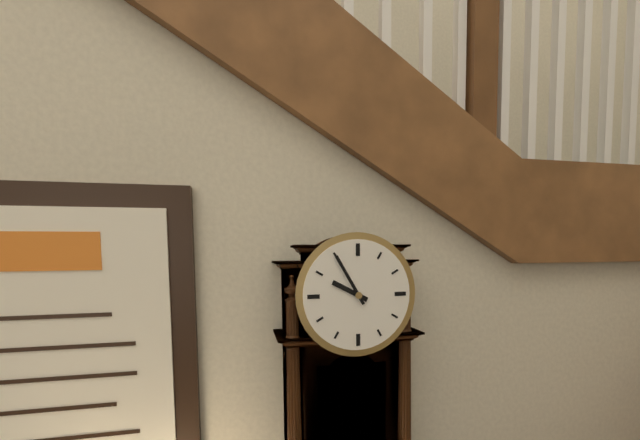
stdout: 9 h 55 min
